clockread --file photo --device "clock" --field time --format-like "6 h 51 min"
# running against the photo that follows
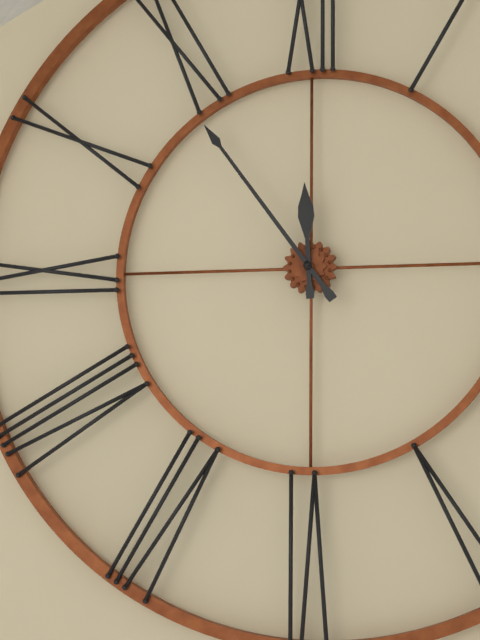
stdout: 11 h 54 min
